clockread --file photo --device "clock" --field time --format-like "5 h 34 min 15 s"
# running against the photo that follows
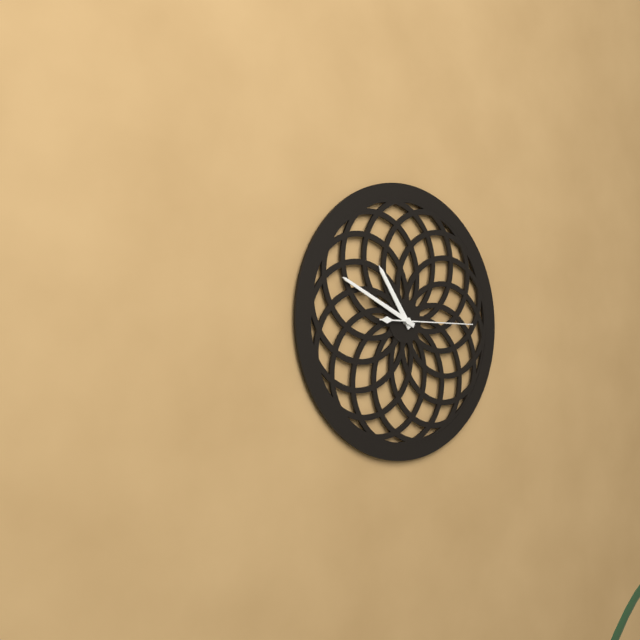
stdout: 10 h 49 min 15 s
